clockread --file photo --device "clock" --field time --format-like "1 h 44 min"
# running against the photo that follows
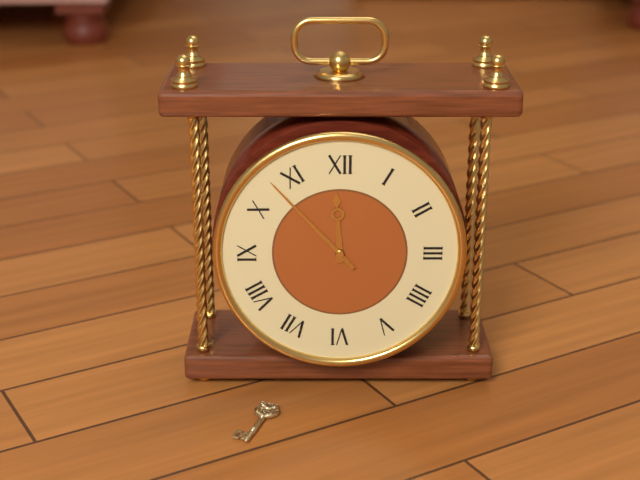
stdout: 11 h 53 min
